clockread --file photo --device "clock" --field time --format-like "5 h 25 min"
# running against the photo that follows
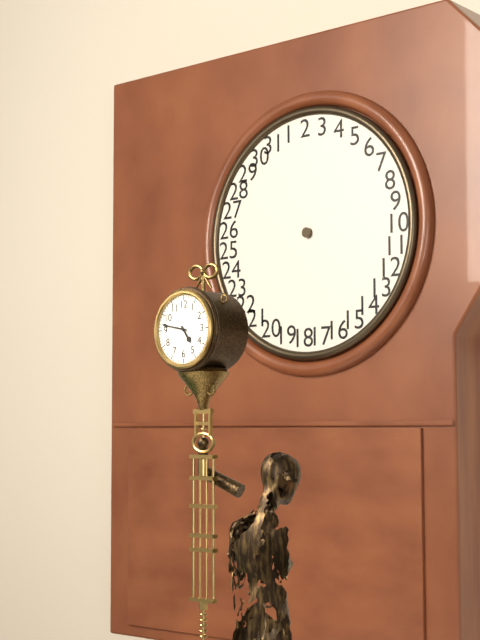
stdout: 4 h 47 min
